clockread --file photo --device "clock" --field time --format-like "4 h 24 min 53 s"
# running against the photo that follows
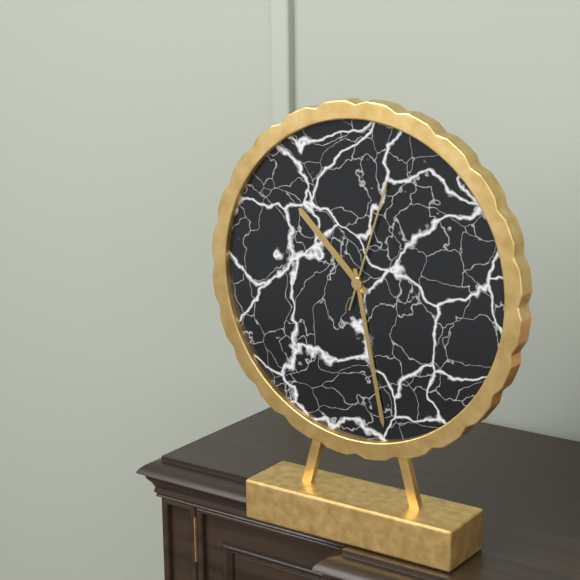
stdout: 10 h 28 min 03 s
